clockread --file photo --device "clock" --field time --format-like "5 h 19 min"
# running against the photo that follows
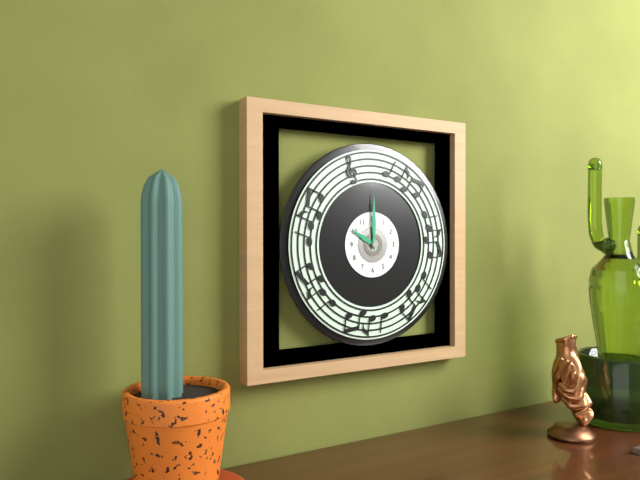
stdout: 10 h 00 min
